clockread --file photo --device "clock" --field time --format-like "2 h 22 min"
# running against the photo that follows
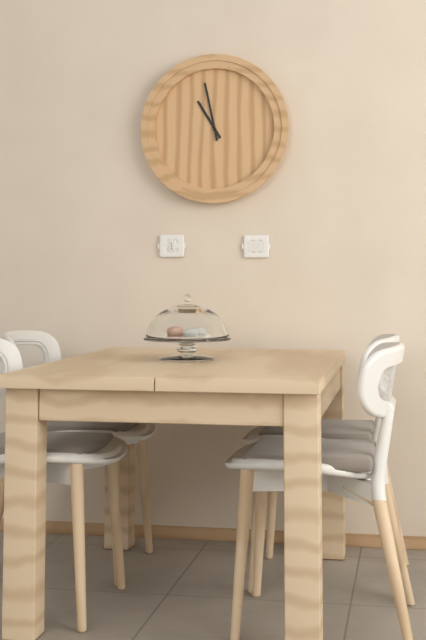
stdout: 10 h 58 min
